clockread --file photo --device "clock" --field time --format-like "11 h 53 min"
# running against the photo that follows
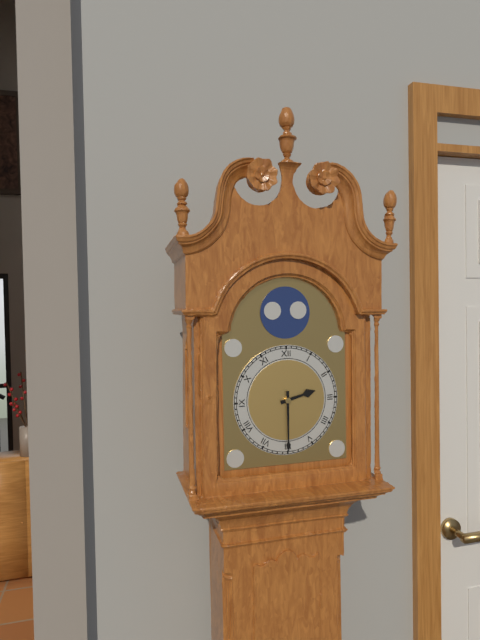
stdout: 2 h 30 min
